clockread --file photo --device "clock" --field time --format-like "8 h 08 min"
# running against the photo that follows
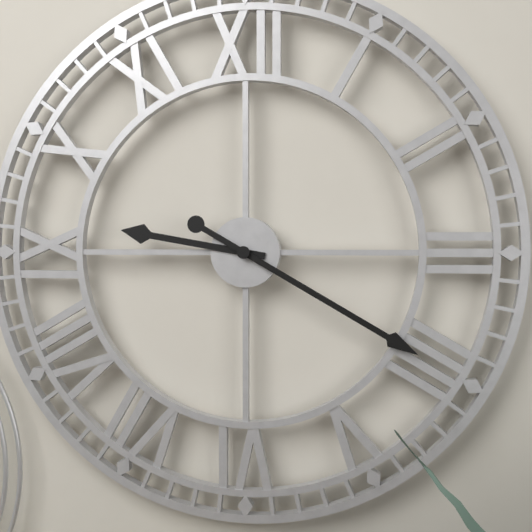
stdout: 9 h 20 min
